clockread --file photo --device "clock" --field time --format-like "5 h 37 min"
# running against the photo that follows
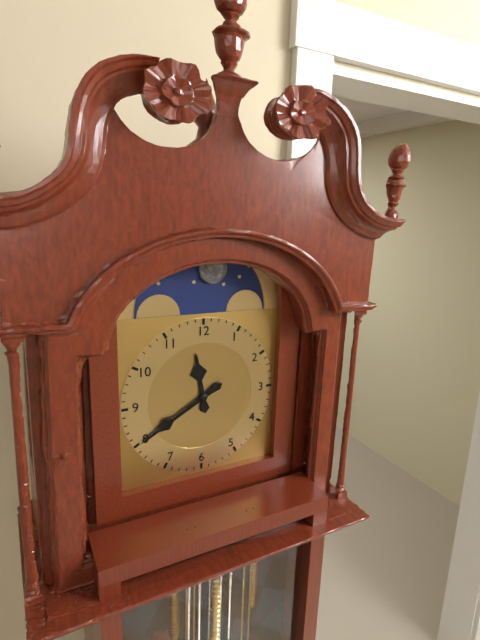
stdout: 11 h 40 min
